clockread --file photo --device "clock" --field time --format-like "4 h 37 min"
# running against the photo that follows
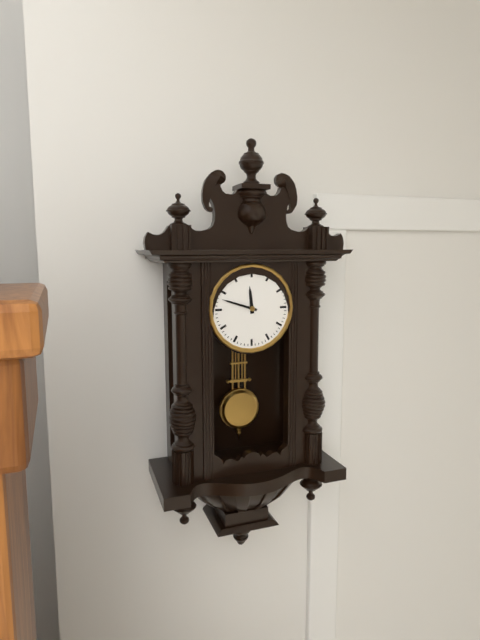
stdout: 11 h 48 min
